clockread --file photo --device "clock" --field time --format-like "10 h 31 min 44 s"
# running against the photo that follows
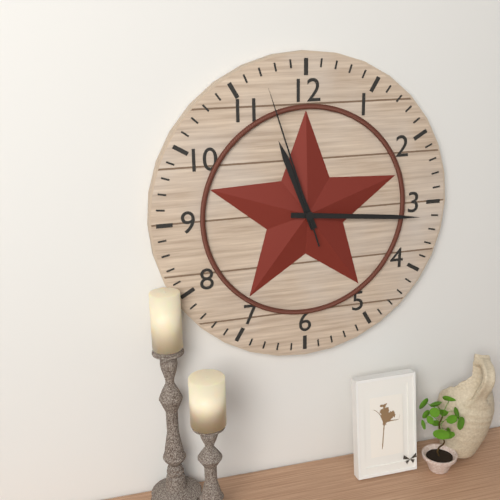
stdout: 11 h 16 min 57 s
